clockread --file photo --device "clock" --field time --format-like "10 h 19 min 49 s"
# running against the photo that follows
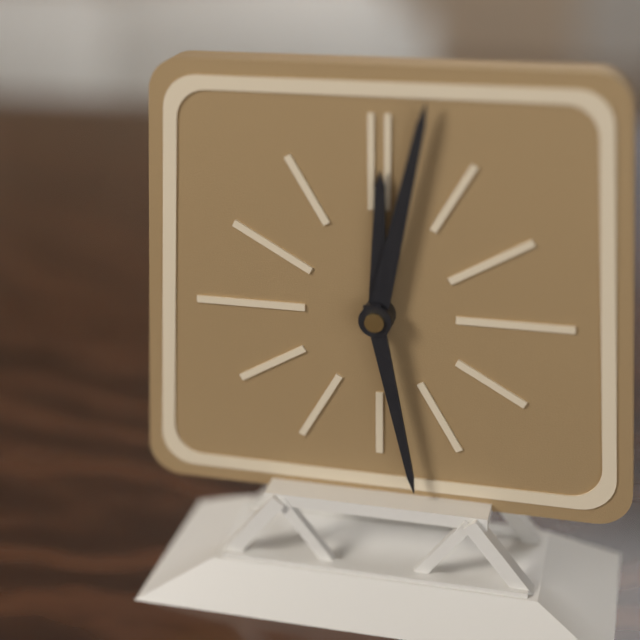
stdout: 12 h 02 min 28 s
